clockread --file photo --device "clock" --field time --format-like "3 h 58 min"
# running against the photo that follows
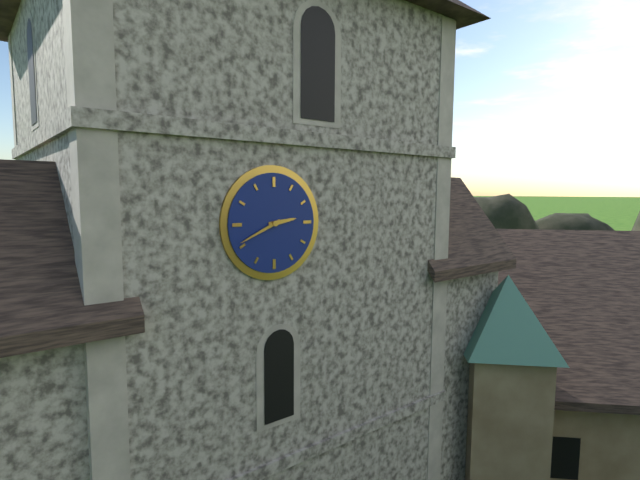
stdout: 2 h 41 min
